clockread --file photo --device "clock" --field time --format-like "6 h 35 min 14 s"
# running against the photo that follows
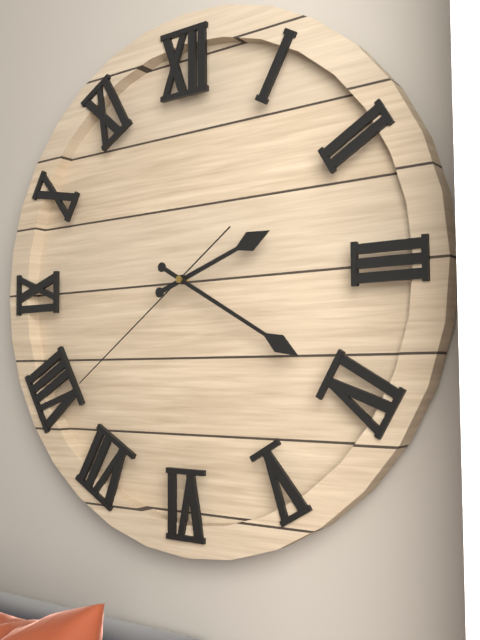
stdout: 2 h 20 min 39 s
